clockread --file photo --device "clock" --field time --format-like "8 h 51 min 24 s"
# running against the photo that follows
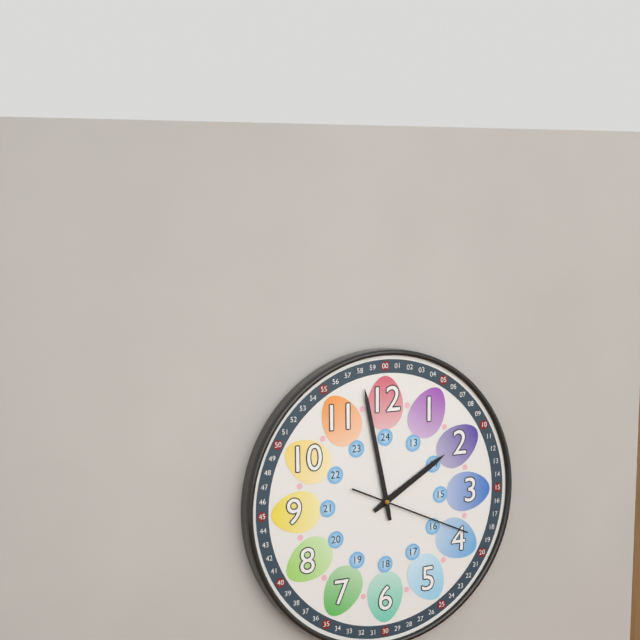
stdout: 1 h 58 min 19 s
